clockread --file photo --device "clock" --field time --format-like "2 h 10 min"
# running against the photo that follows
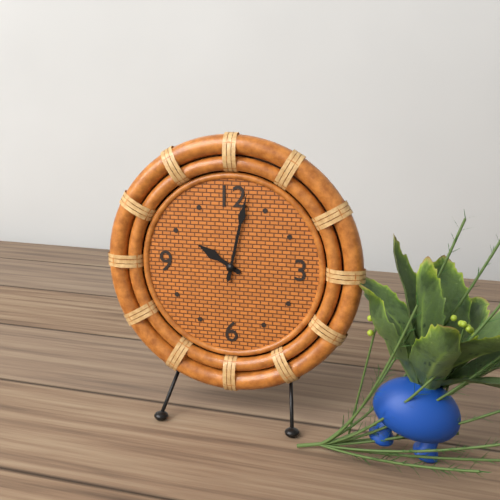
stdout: 10 h 02 min
